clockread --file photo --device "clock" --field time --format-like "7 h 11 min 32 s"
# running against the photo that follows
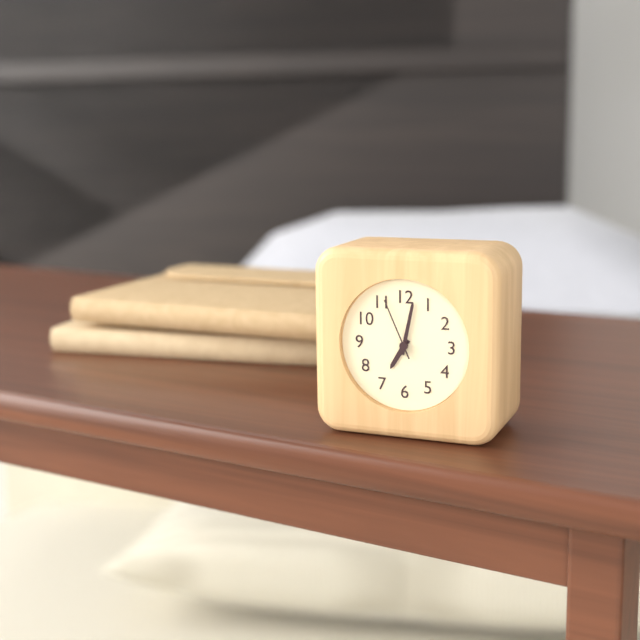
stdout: 7 h 02 min 56 s
